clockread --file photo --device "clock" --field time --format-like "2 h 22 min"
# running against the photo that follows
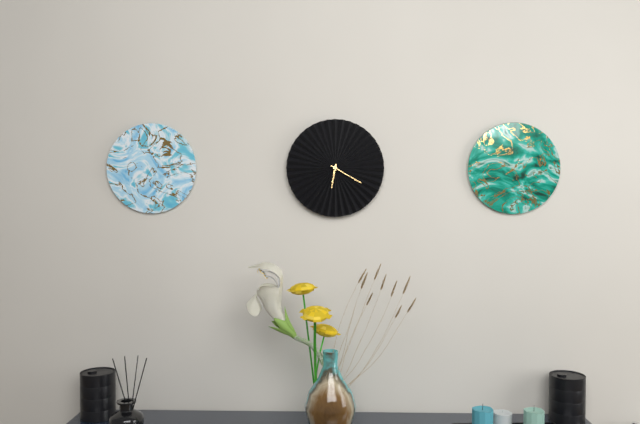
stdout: 6 h 20 min
